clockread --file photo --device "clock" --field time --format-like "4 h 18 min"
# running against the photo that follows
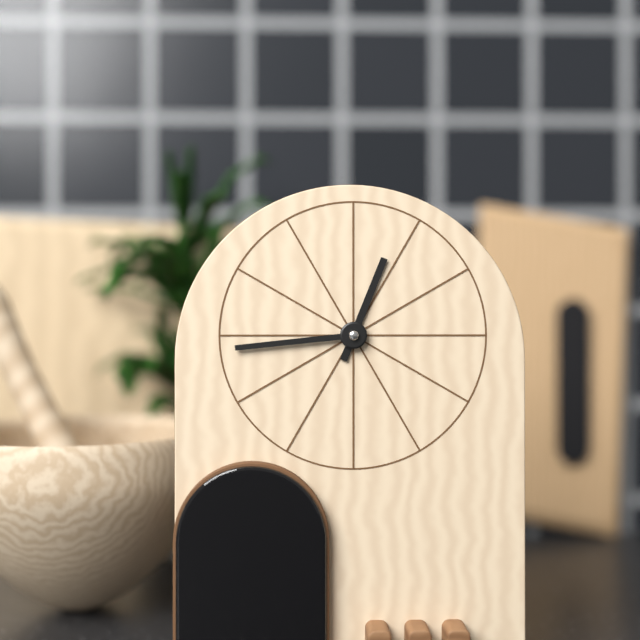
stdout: 12 h 44 min
